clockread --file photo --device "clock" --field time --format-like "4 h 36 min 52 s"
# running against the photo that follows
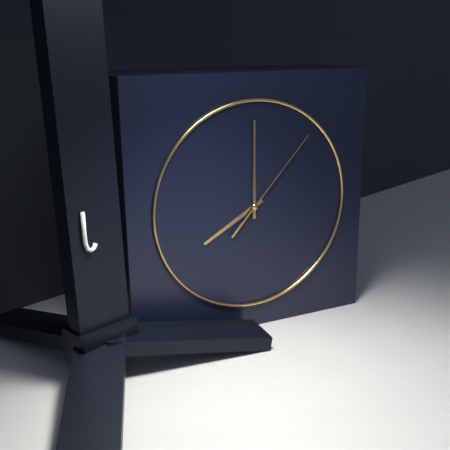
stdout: 8 h 00 min 07 s
